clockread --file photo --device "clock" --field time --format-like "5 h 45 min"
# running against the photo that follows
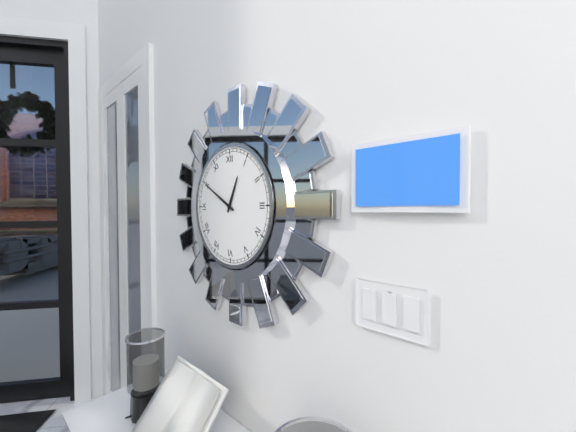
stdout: 12 h 50 min
